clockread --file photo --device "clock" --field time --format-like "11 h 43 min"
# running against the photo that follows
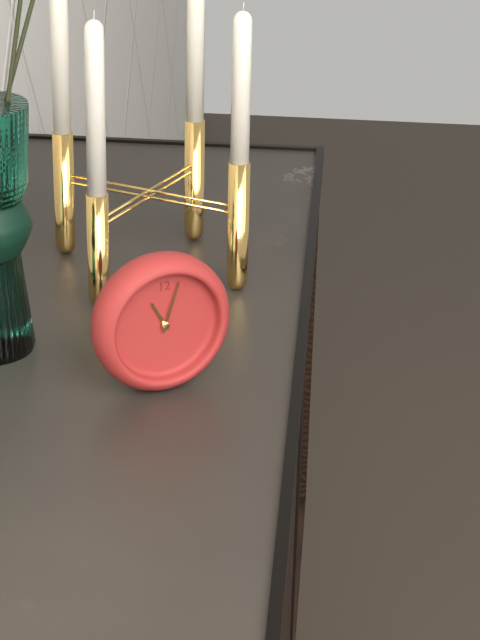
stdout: 11 h 03 min
